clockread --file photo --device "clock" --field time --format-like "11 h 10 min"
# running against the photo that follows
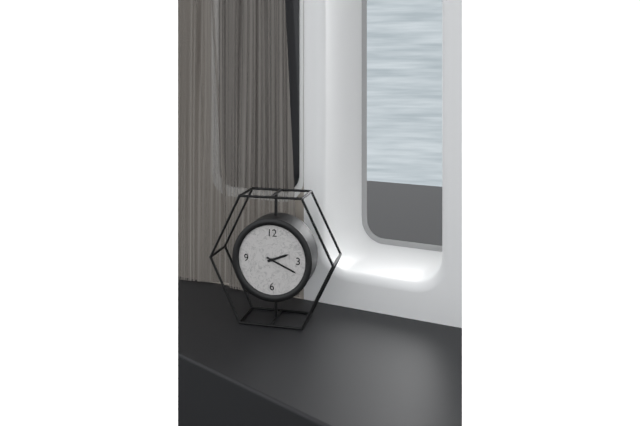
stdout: 2 h 19 min
